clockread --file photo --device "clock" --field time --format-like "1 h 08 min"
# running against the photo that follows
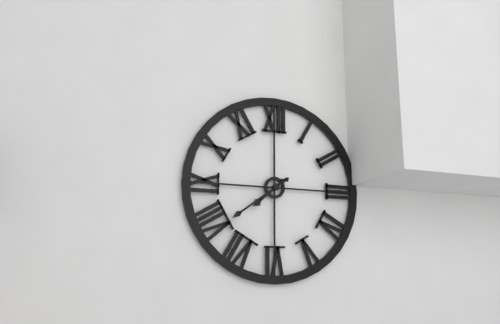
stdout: 7 h 39 min
